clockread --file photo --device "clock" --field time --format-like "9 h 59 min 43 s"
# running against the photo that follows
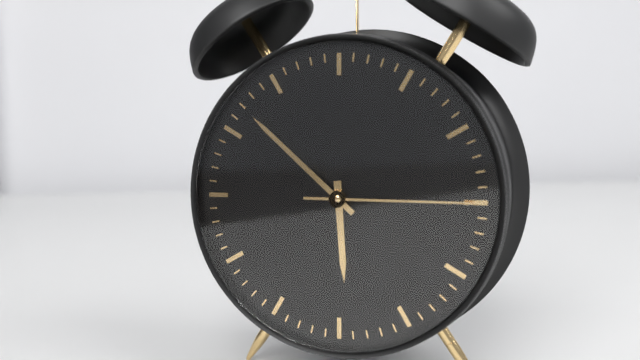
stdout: 5 h 52 min 15 s
